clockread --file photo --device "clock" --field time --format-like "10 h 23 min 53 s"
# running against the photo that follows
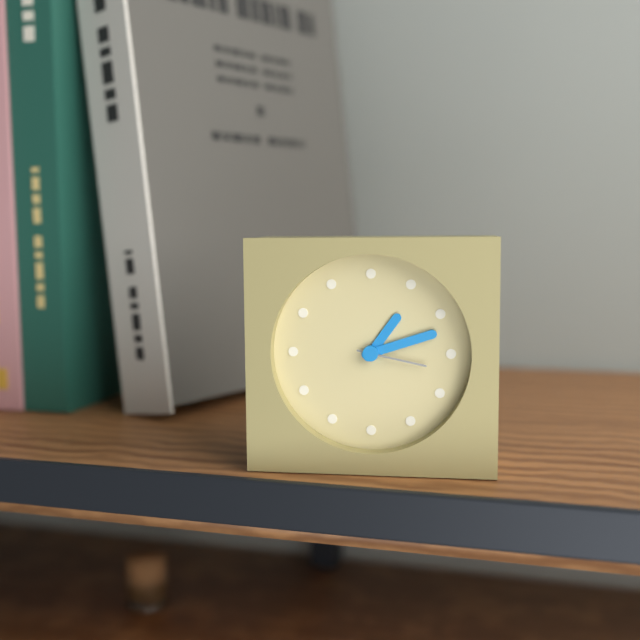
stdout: 1 h 12 min 17 s
